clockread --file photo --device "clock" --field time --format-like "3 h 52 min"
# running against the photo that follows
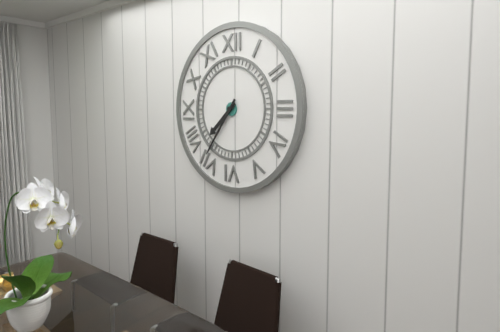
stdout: 7 h 36 min
